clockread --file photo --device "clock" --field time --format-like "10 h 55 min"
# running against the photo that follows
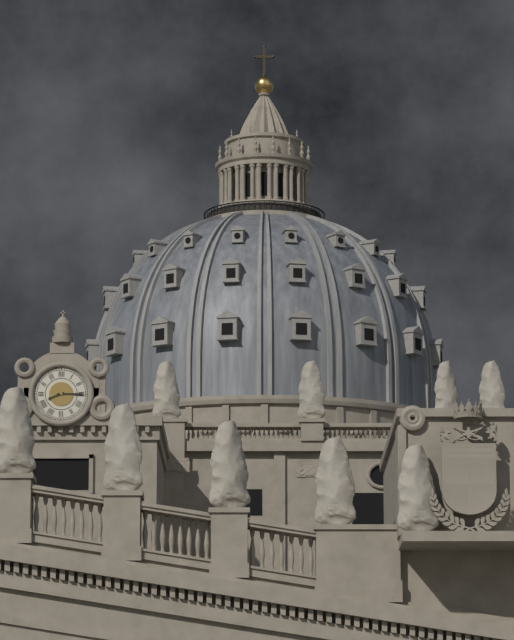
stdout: 8 h 15 min
